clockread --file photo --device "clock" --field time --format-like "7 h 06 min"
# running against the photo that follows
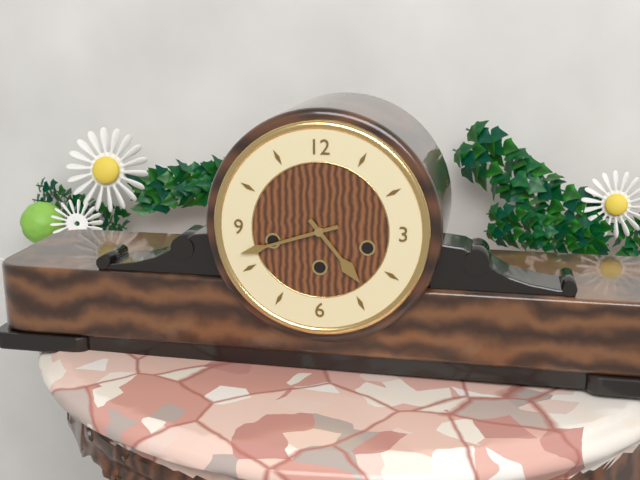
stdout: 4 h 42 min
